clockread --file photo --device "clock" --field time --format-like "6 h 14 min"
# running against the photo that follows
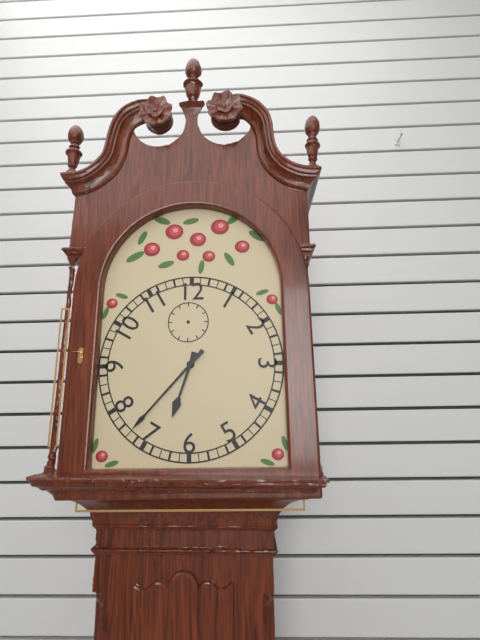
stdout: 6 h 37 min
